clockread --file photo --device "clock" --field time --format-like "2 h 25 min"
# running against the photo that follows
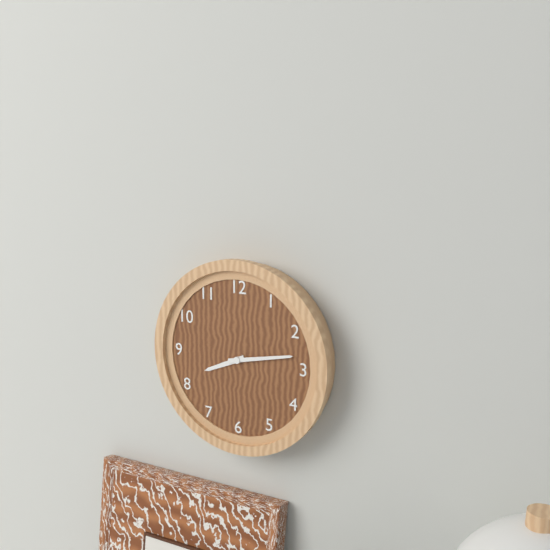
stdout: 8 h 13 min
